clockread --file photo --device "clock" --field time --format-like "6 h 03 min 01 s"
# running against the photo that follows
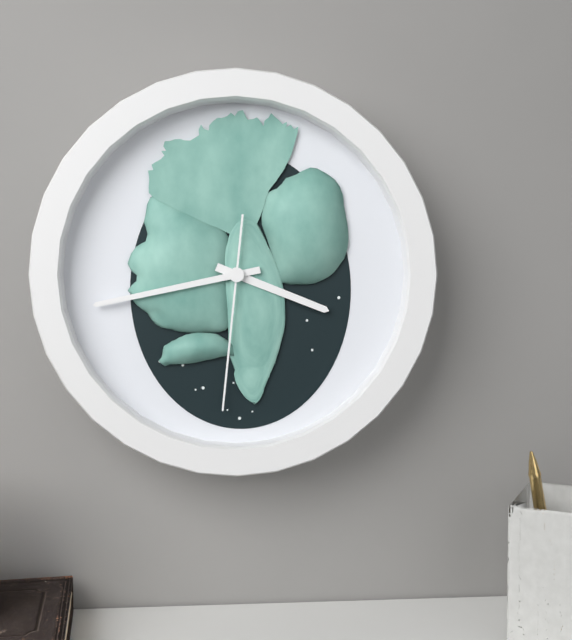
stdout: 3 h 43 min 31 s
